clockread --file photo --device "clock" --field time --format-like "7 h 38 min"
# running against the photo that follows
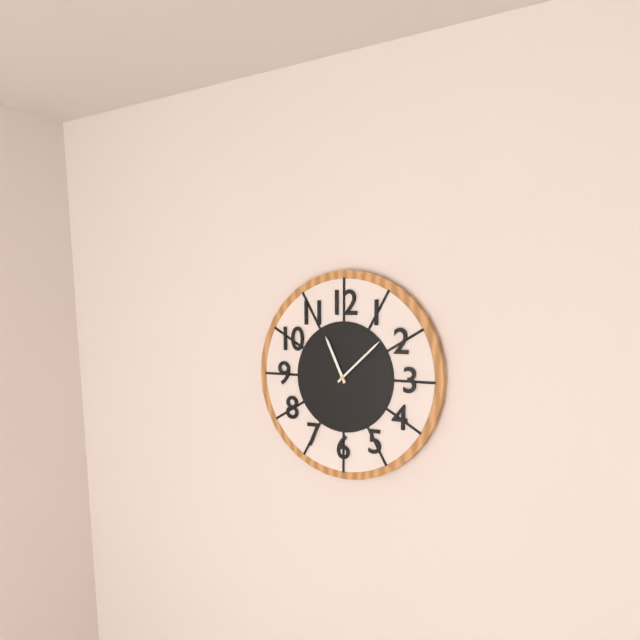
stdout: 11 h 08 min
